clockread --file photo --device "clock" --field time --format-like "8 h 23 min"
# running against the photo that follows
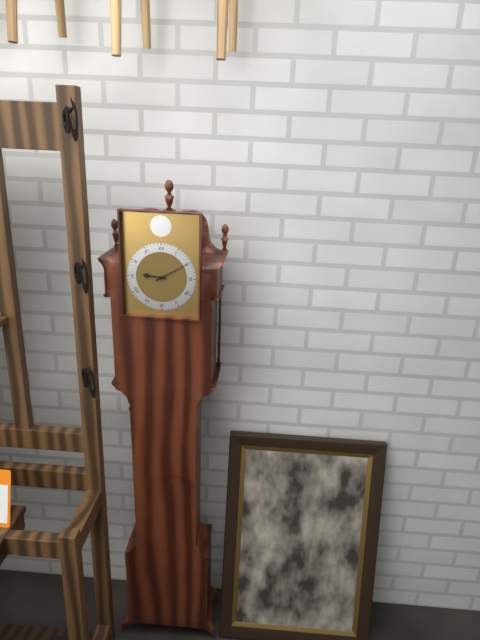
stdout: 9 h 10 min
